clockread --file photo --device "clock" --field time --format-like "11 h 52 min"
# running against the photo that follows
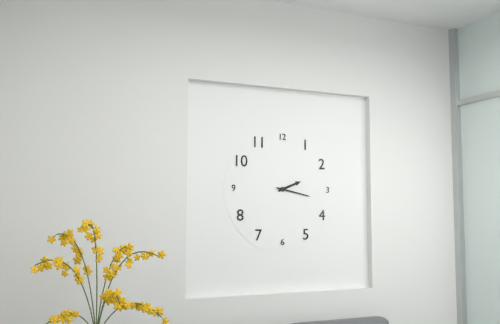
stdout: 2 h 17 min
